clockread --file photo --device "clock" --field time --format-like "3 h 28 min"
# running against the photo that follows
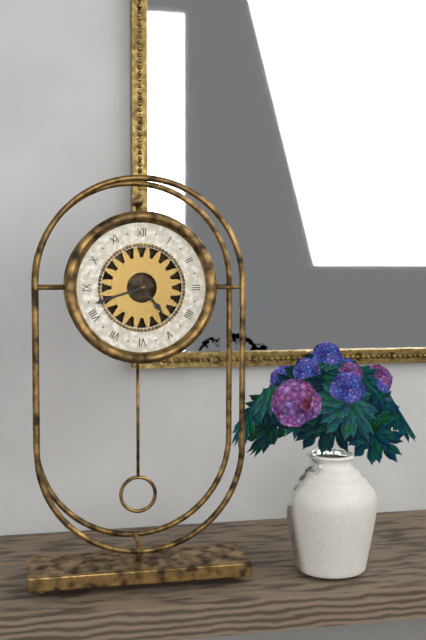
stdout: 4 h 42 min
